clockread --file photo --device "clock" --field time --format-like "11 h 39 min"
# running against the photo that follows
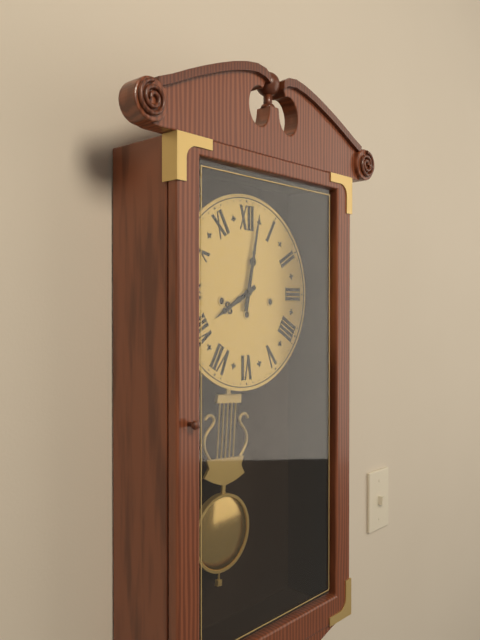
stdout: 8 h 02 min
